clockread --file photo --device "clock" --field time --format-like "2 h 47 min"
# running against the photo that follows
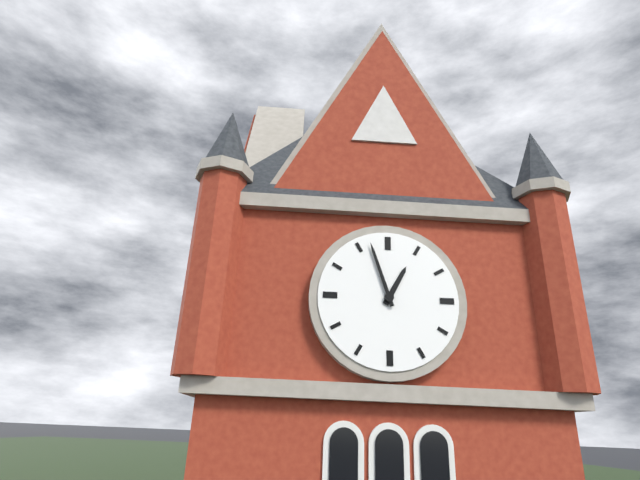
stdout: 12 h 57 min
